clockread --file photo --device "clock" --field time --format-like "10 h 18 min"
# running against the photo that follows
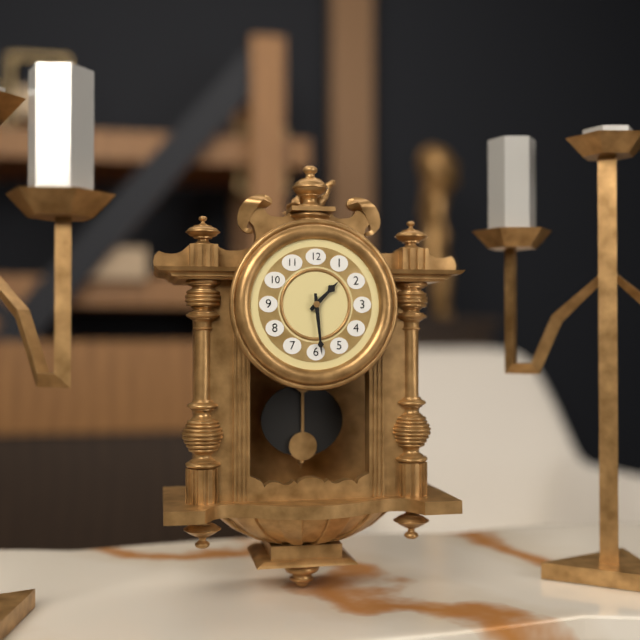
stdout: 1 h 29 min
